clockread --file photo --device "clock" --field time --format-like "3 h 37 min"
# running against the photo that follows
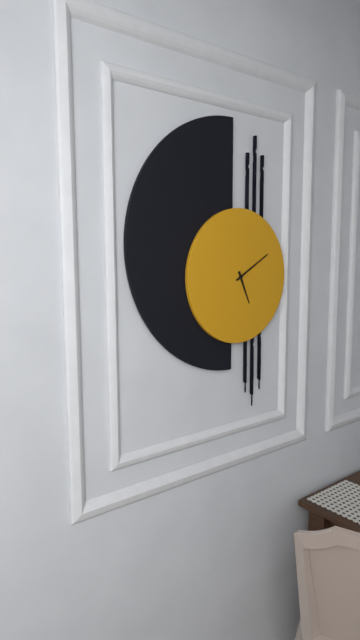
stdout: 5 h 10 min
